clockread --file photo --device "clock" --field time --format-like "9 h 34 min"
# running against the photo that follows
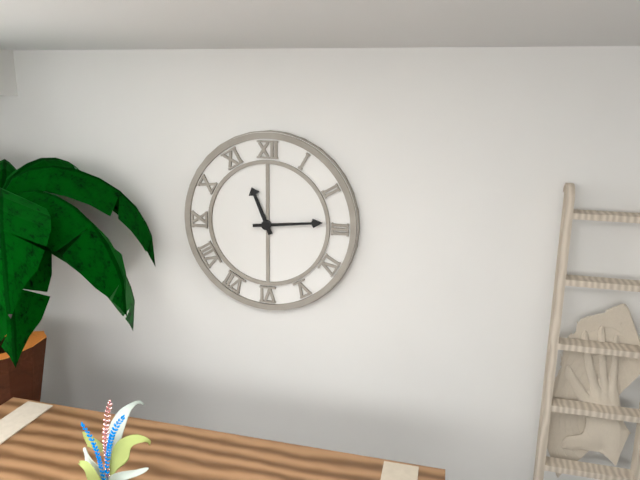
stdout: 11 h 14 min
